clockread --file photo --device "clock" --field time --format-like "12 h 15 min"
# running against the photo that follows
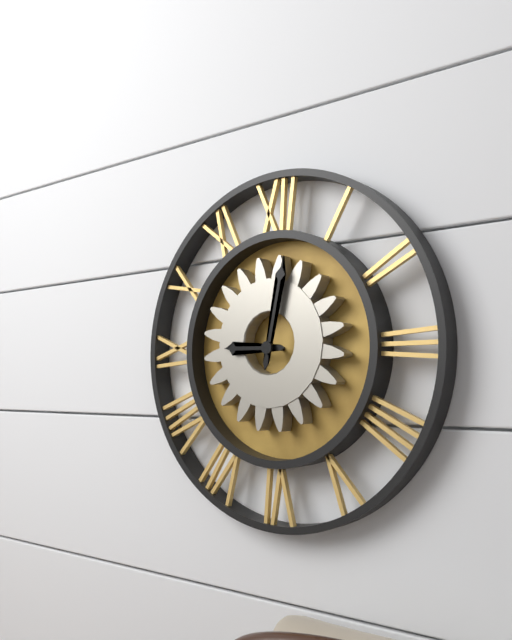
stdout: 9 h 02 min
